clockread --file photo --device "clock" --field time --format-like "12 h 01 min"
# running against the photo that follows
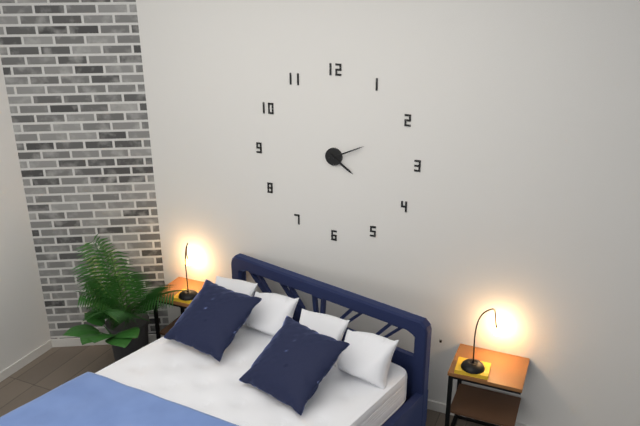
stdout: 4 h 11 min
